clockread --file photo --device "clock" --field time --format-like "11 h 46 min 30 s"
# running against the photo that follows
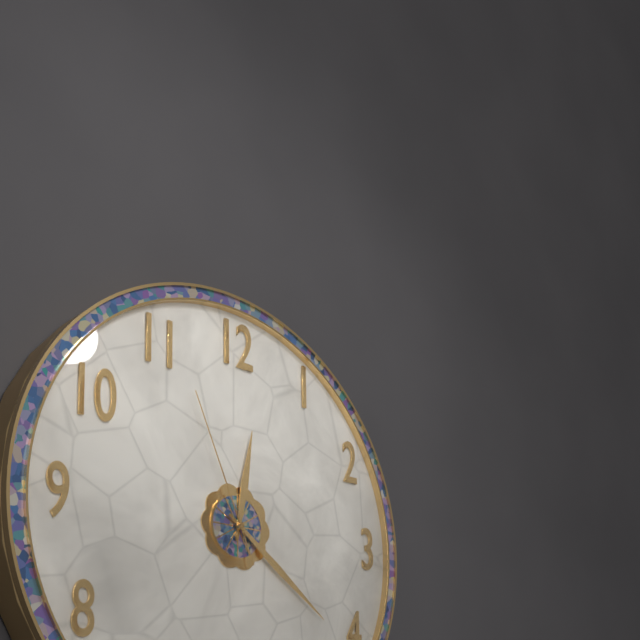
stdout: 12 h 21 min 56 s
